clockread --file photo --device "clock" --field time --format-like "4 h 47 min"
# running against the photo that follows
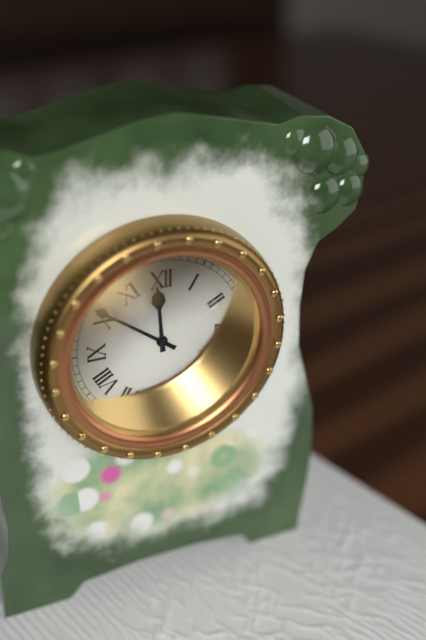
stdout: 11 h 51 min
